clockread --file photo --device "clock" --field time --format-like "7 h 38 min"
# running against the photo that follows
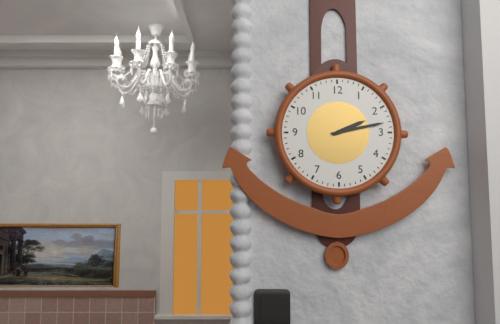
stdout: 2 h 13 min
